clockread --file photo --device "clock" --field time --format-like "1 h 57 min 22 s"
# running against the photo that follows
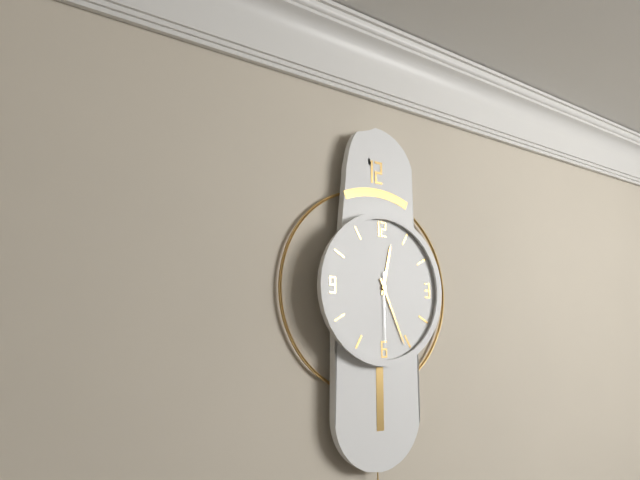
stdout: 12 h 26 min 30 s
